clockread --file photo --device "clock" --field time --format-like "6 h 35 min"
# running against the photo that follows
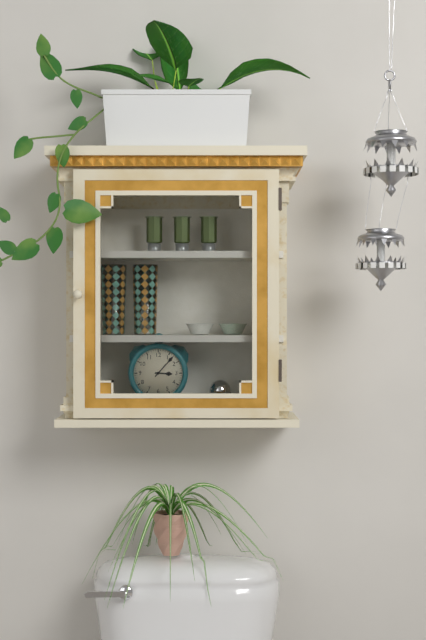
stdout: 3 h 07 min
